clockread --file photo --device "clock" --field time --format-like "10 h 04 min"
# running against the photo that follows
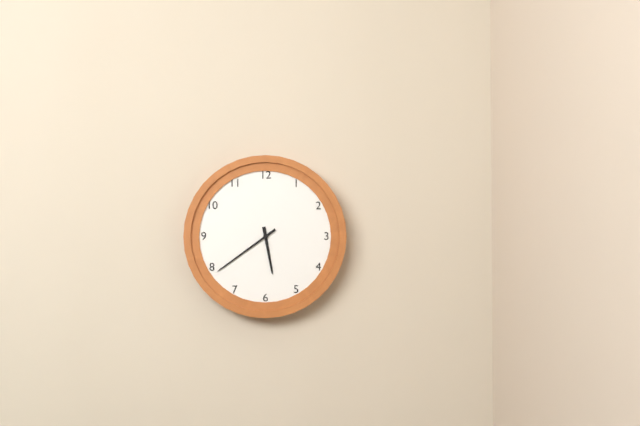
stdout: 5 h 39 min
